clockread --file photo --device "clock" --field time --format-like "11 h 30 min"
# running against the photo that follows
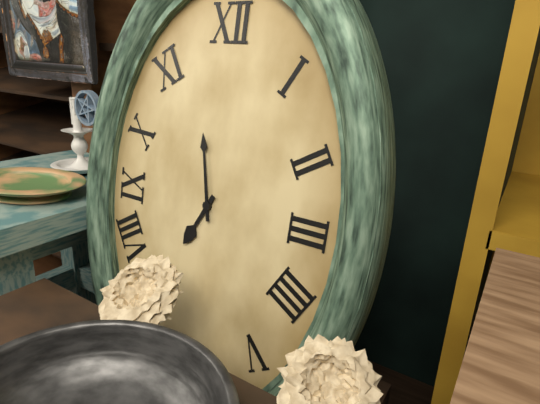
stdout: 6 h 58 min
